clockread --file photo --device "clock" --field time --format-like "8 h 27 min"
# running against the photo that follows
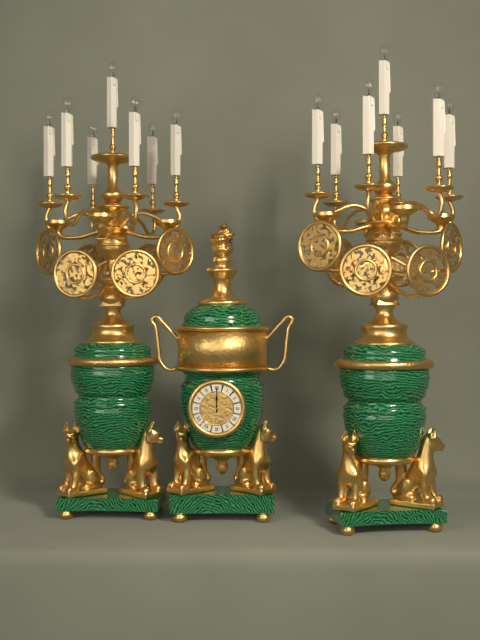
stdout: 12 h 00 min
